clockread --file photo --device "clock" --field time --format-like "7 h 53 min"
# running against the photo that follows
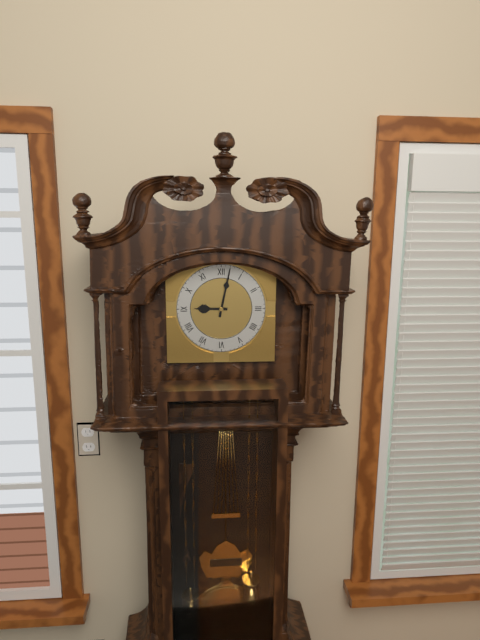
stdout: 9 h 02 min
